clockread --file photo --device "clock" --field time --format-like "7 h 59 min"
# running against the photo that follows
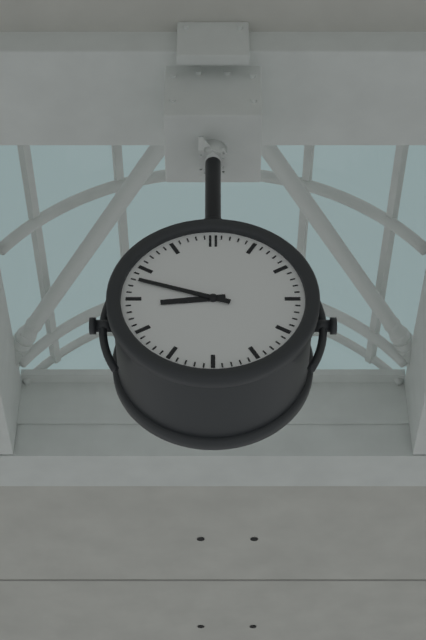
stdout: 8 h 48 min
